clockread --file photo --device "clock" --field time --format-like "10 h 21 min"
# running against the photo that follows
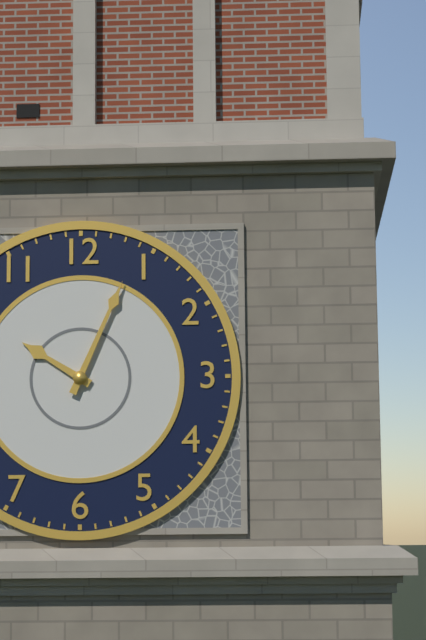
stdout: 10 h 04 min
